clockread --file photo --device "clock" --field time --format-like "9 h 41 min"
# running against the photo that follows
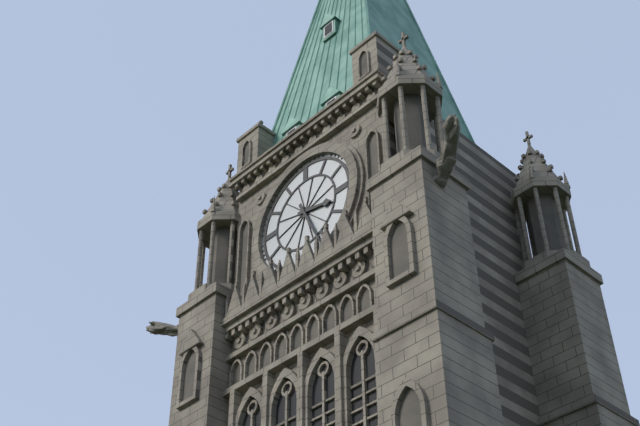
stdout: 3 h 26 min
